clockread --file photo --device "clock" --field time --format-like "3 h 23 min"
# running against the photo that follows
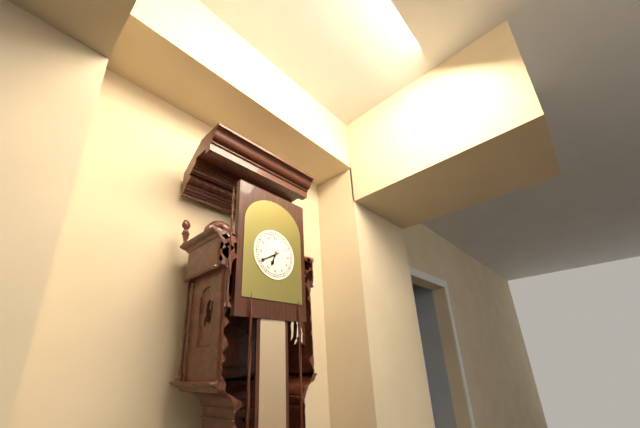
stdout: 6 h 40 min
